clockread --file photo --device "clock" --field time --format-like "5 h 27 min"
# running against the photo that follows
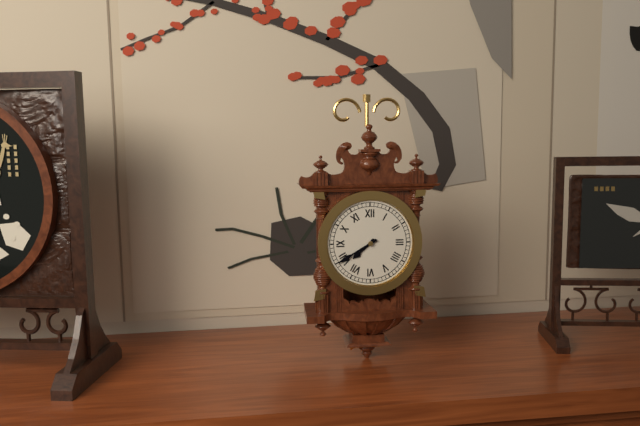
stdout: 7 h 40 min
